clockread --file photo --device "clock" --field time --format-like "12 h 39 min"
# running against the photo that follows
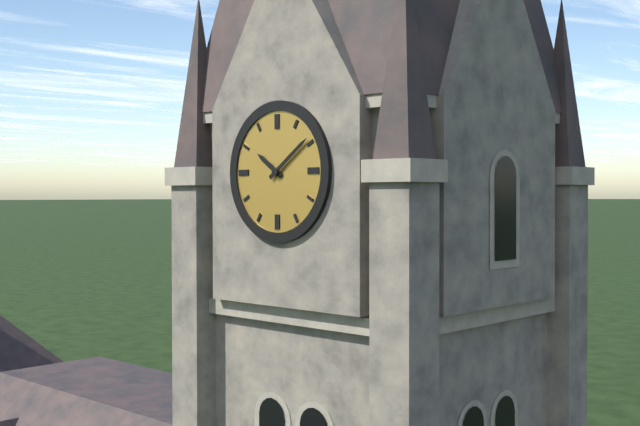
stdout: 10 h 09 min
